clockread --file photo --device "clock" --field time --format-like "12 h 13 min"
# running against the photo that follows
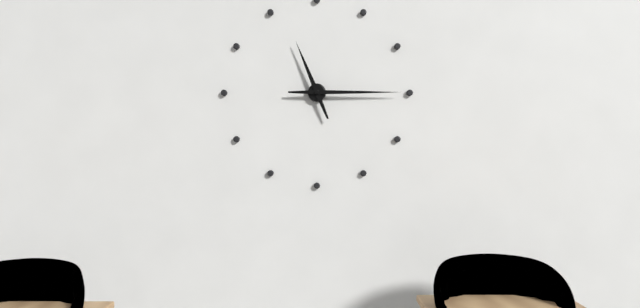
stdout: 11 h 15 min
